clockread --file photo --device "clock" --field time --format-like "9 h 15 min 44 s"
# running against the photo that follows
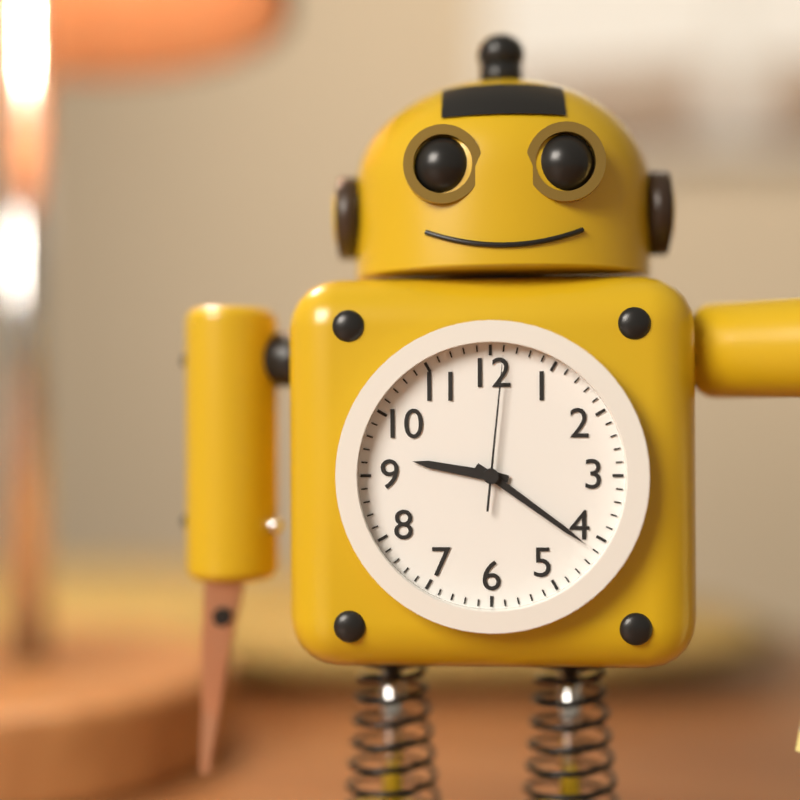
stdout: 9 h 21 min 01 s
